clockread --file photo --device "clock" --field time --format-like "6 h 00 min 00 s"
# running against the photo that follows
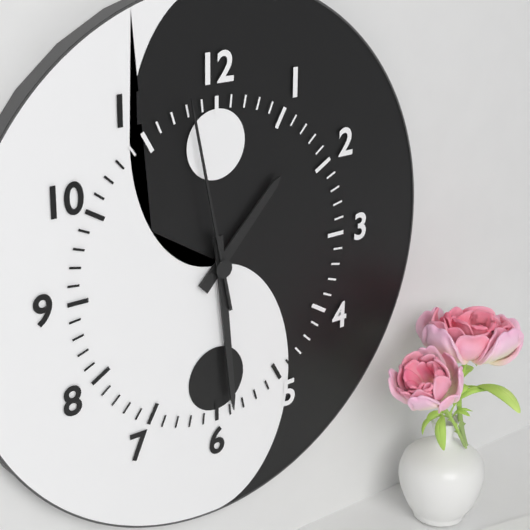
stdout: 1 h 29 min 58 s
